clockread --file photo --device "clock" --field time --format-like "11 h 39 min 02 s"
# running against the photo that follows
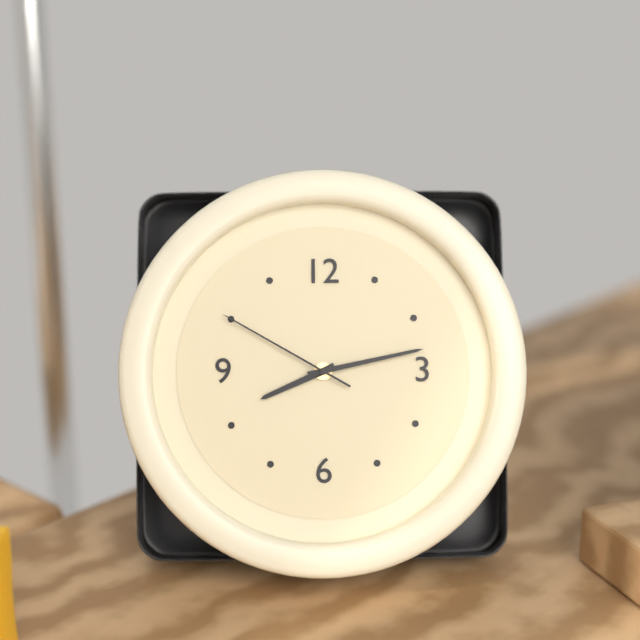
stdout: 8 h 13 min 50 s
